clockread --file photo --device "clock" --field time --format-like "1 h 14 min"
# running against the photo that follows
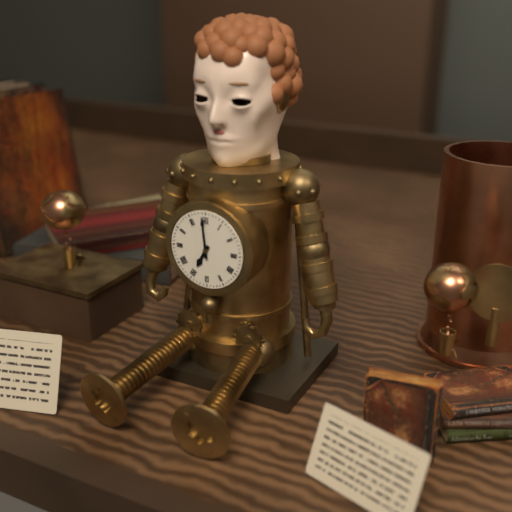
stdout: 6 h 59 min
